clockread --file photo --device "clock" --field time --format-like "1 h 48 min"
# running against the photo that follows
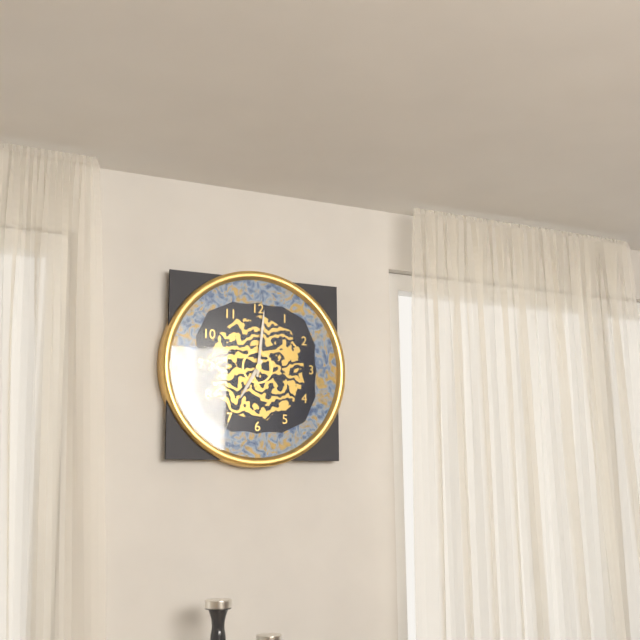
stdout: 7 h 01 min
